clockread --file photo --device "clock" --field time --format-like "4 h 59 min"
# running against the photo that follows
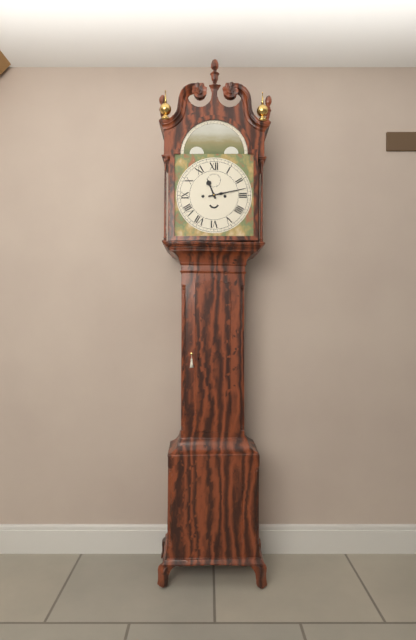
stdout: 11 h 13 min
